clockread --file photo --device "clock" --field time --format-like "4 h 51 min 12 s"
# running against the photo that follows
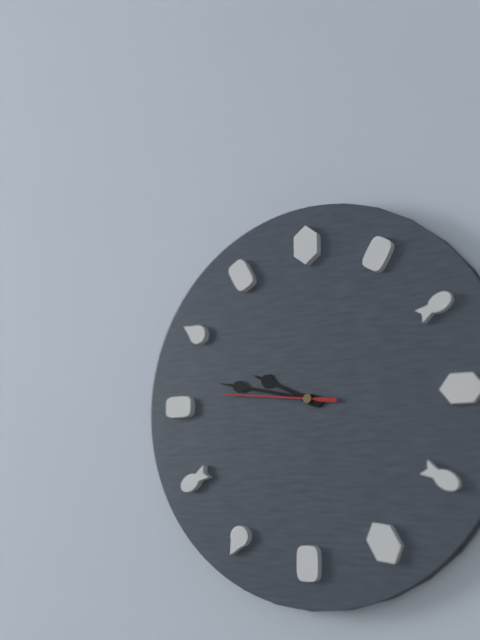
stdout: 9 h 47 min 46 s
